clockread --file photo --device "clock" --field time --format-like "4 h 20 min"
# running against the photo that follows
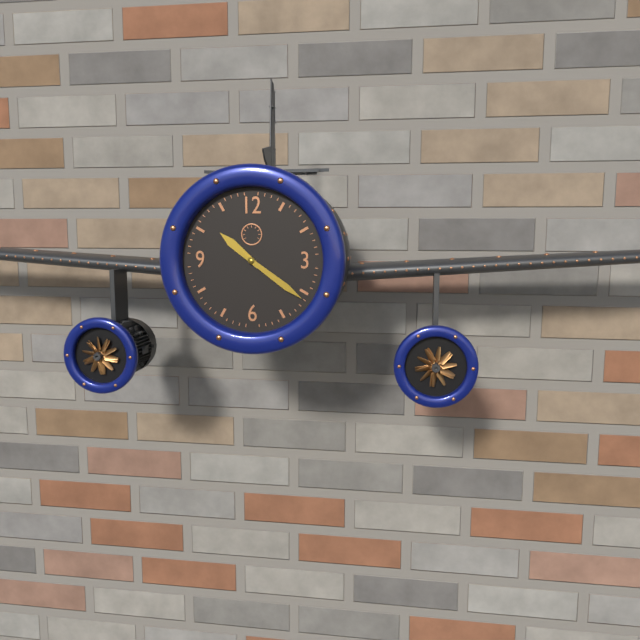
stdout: 10 h 21 min
